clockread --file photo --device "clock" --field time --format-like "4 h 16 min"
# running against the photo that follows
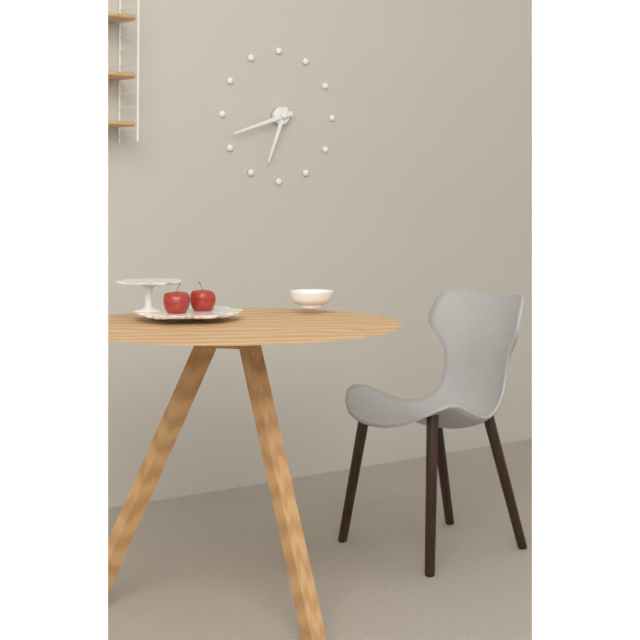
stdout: 6 h 42 min
